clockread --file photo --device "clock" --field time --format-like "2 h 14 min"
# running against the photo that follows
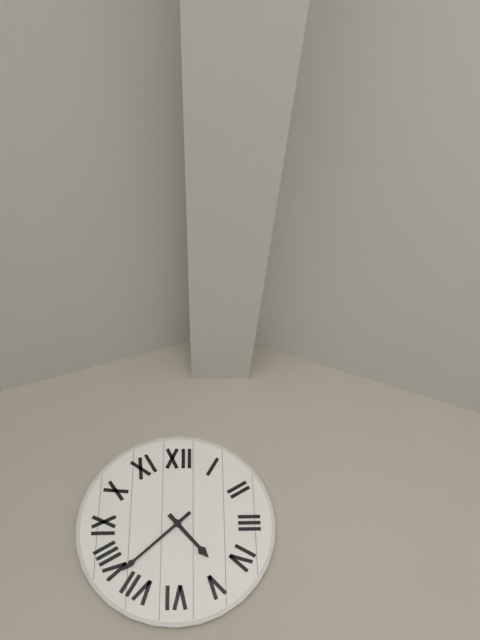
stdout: 4 h 38 min
